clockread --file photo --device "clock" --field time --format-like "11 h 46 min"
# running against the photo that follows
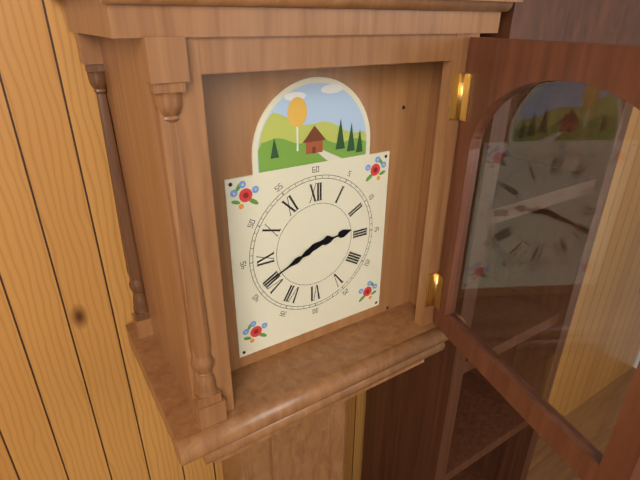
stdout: 2 h 41 min
